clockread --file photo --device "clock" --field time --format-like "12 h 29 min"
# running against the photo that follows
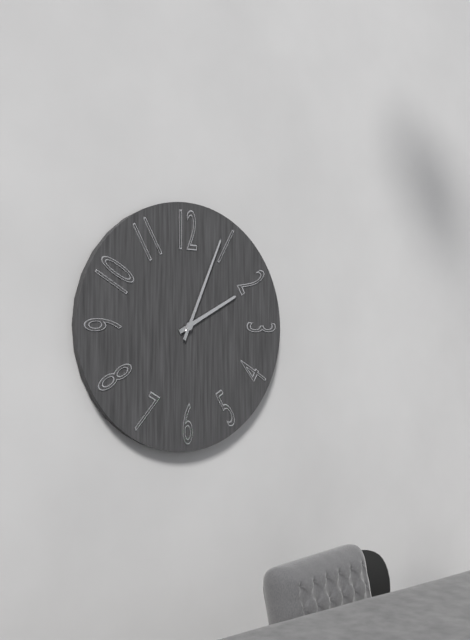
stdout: 2 h 04 min
